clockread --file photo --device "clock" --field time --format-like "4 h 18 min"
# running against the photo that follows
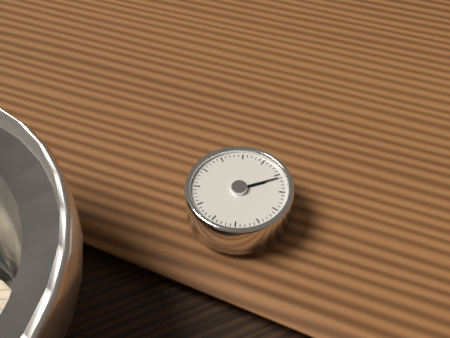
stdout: 3 h 16 min
